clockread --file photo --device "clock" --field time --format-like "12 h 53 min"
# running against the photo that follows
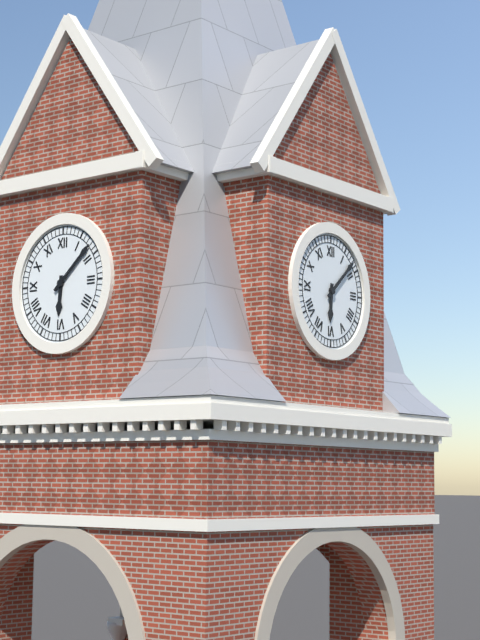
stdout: 6 h 08 min
